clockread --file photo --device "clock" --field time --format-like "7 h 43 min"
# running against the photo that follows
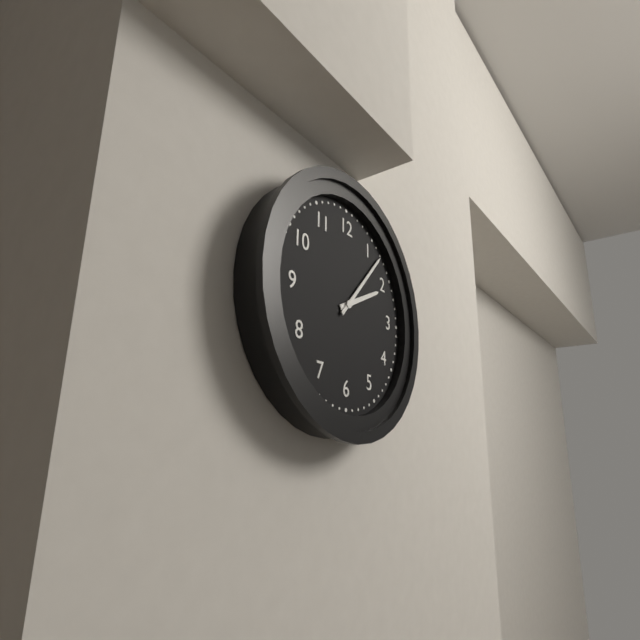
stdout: 2 h 07 min
